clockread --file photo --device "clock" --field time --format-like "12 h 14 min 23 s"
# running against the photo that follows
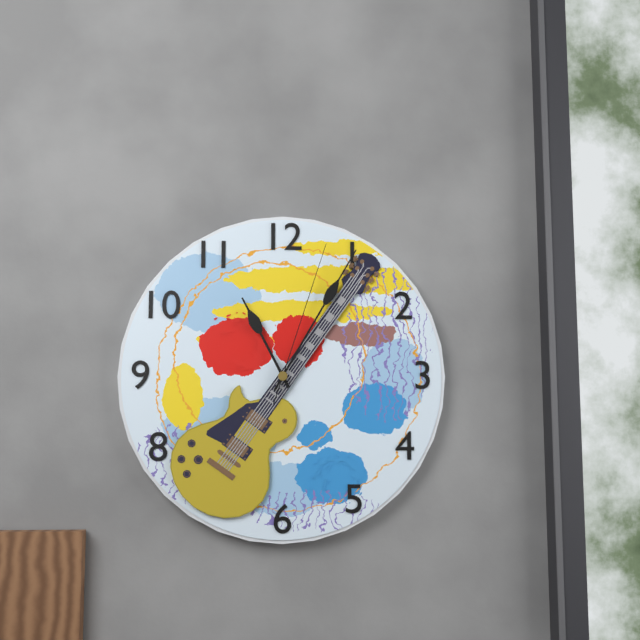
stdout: 11 h 05 min 03 s
